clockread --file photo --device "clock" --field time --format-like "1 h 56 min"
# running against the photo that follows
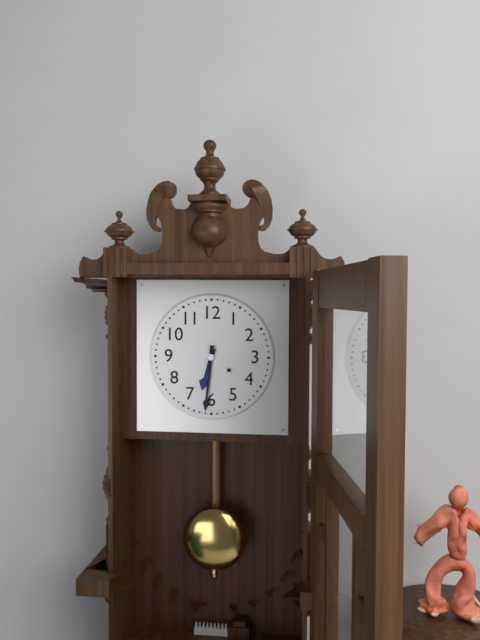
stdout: 6 h 31 min
